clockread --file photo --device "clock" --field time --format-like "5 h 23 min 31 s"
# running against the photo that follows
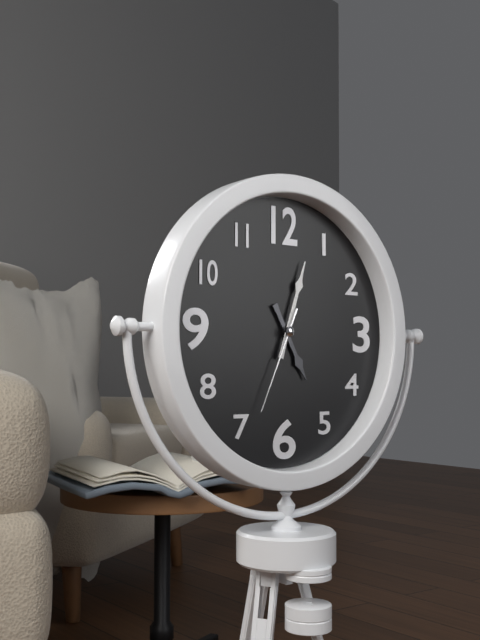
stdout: 5 h 03 min 34 s
